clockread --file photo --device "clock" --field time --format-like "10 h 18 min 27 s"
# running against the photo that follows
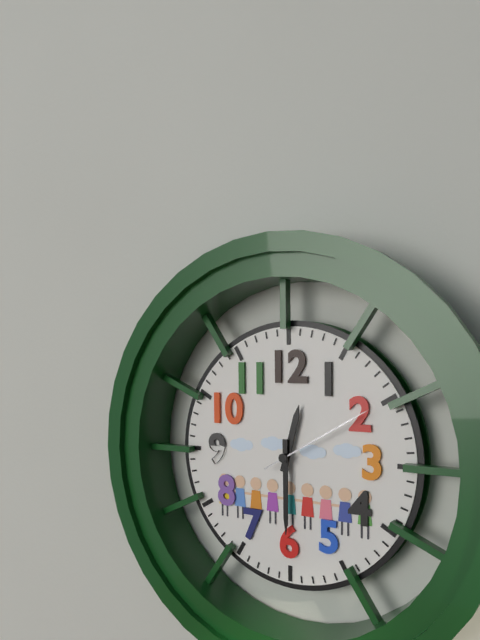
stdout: 12 h 30 min 10 s
